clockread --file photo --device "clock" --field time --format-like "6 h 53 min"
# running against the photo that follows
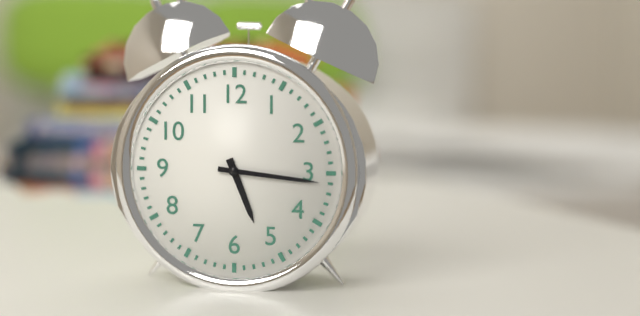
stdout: 5 h 16 min
